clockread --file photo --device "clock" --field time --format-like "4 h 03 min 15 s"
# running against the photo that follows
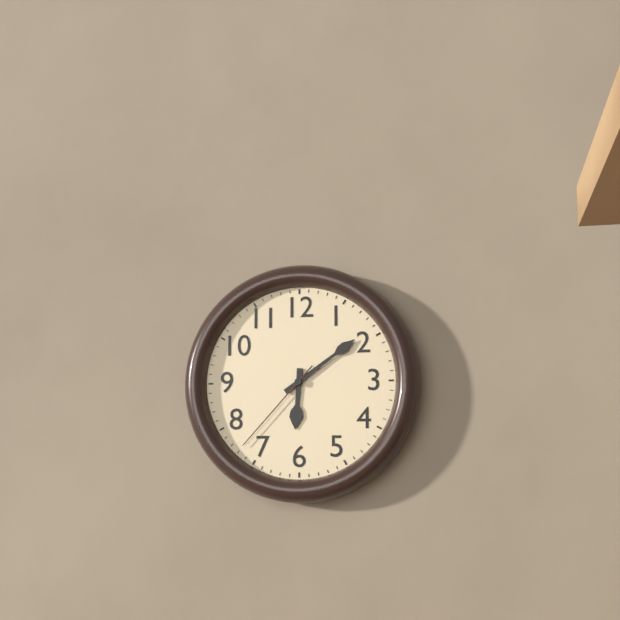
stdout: 6 h 09 min 37 s
